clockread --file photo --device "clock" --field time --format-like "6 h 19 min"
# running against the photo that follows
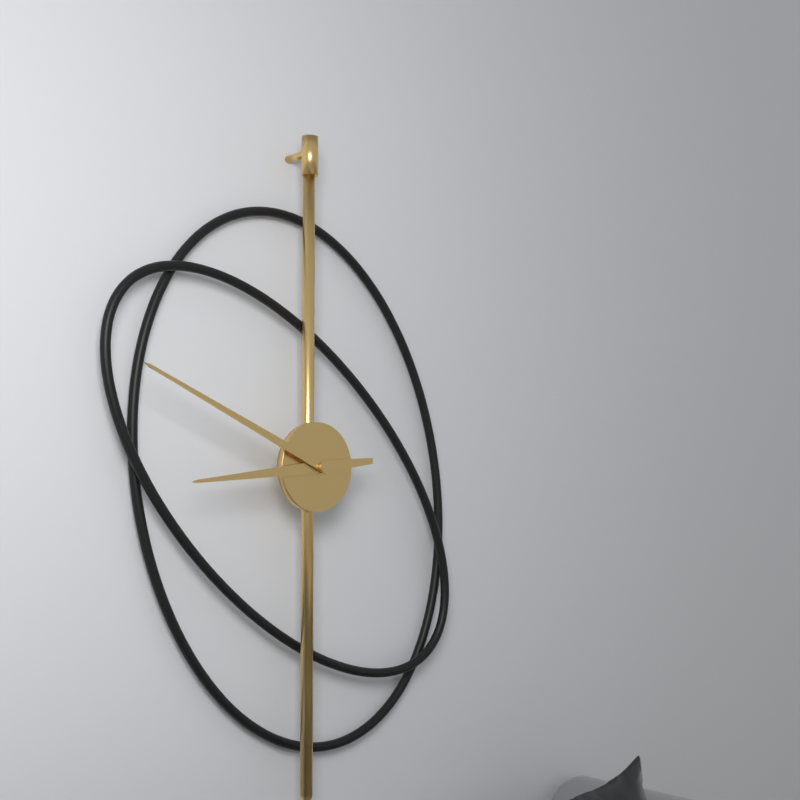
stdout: 8 h 49 min
